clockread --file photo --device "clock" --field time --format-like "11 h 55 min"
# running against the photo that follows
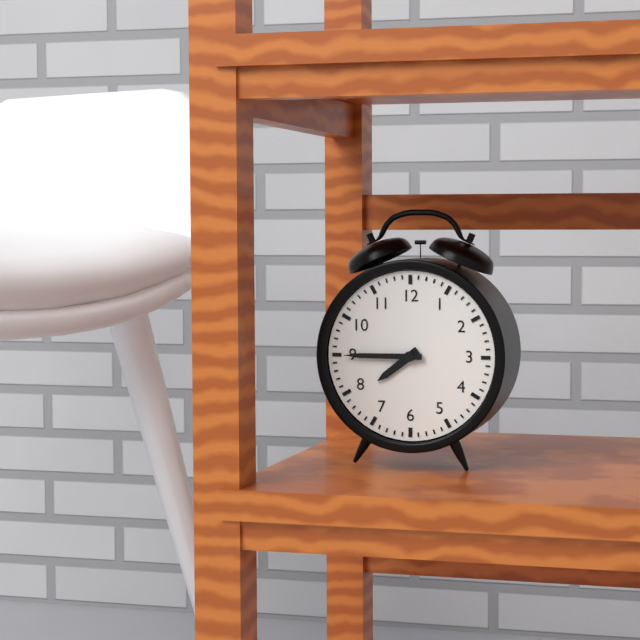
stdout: 7 h 45 min
